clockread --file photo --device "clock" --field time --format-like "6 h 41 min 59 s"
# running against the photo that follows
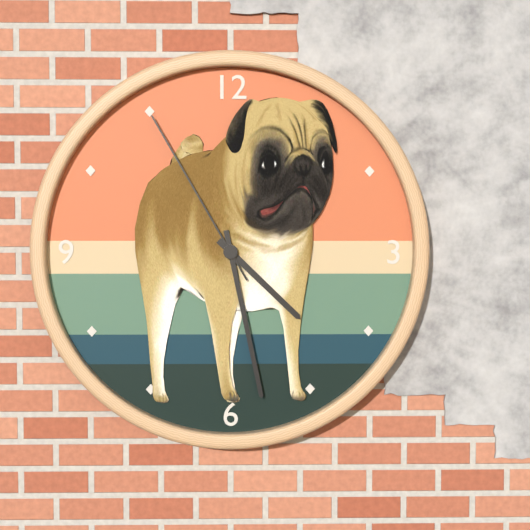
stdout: 4 h 28 min 55 s
